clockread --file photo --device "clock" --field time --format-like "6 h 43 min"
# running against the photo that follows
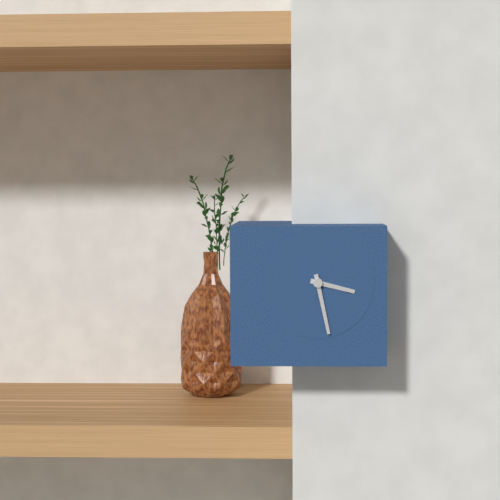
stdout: 3 h 28 min
